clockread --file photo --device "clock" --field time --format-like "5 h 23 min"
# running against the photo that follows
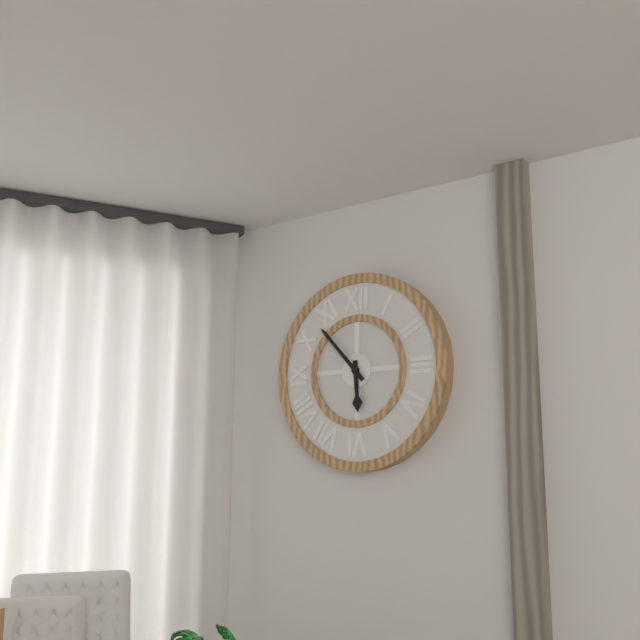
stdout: 5 h 53 min
